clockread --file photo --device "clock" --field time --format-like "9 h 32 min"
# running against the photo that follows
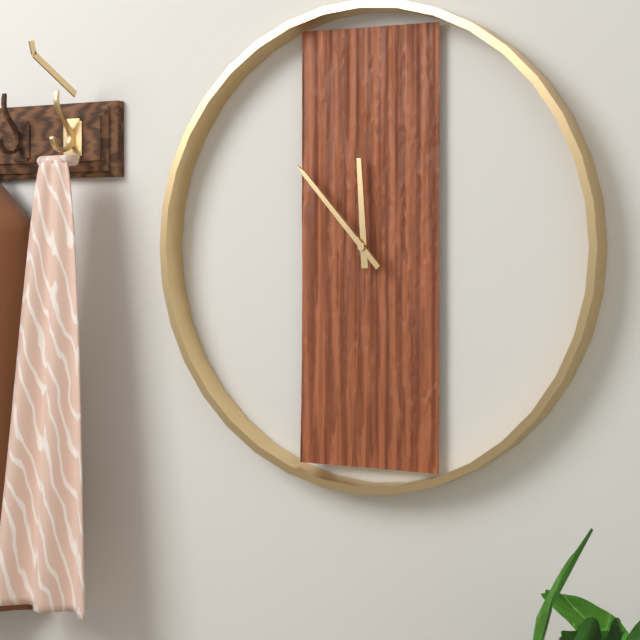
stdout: 11 h 53 min
